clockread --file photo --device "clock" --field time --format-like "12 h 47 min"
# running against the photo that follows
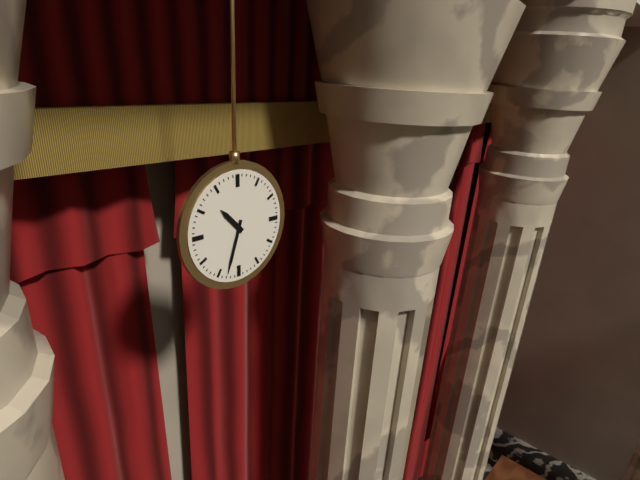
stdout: 10 h 33 min
